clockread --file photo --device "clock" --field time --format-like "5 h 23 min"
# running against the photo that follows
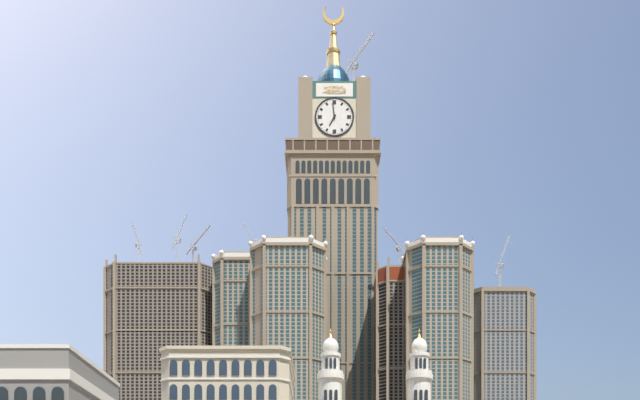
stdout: 6 h 59 min
